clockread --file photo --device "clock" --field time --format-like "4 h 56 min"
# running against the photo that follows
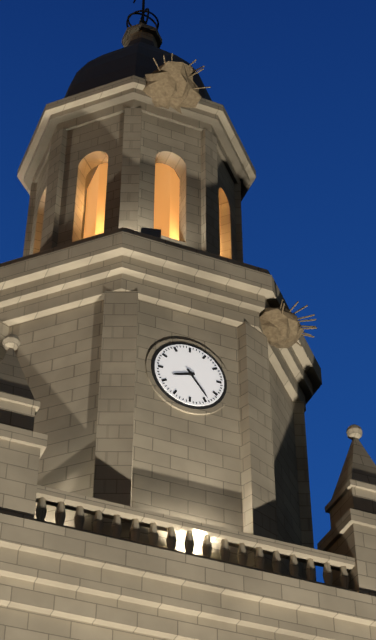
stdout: 8 h 24 min
